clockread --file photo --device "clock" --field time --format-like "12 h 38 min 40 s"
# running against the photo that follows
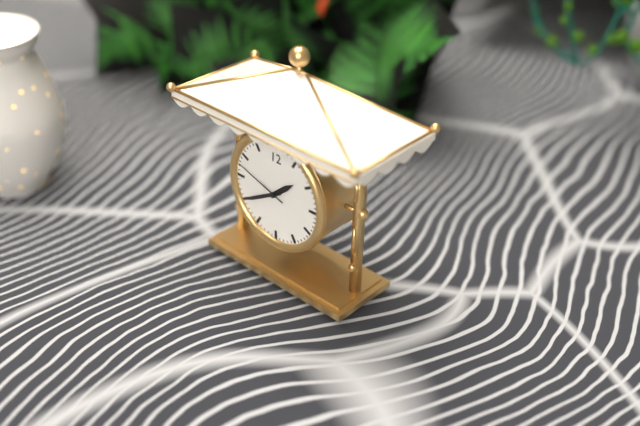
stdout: 1 h 40 min 48 s
